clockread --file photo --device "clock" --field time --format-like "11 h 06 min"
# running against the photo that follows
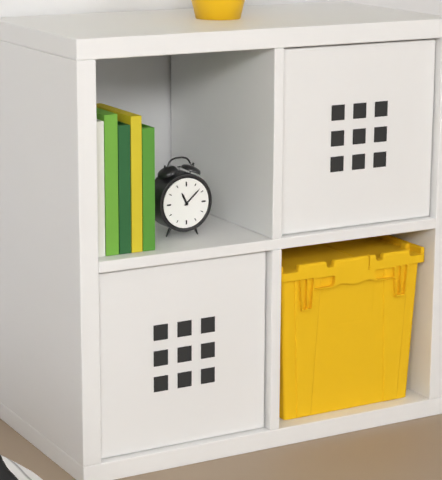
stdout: 11 h 08 min
